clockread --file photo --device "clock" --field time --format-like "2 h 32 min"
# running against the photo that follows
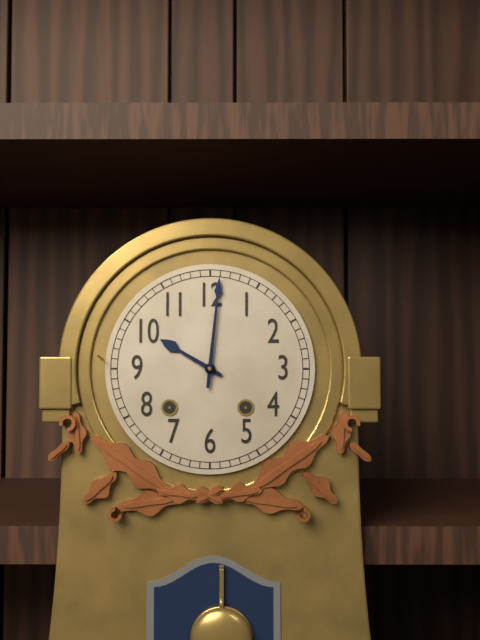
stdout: 10 h 01 min
